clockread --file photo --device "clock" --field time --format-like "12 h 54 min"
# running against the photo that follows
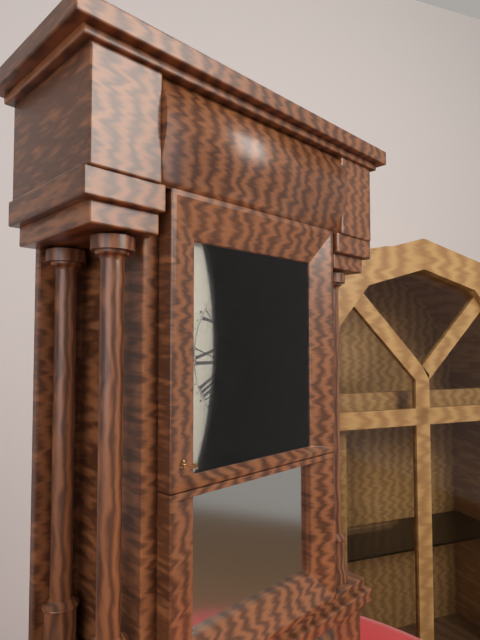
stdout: 7 h 51 min
